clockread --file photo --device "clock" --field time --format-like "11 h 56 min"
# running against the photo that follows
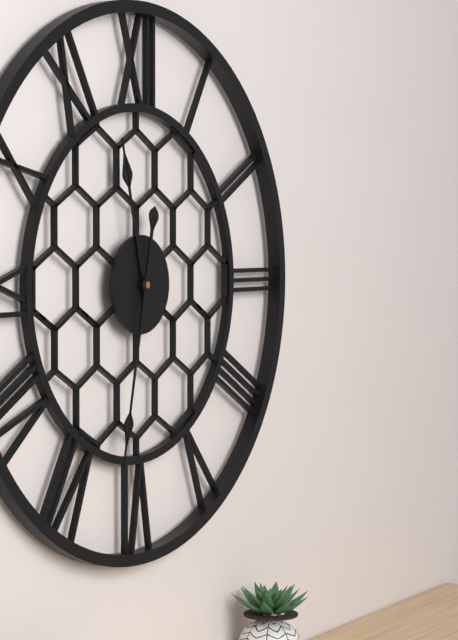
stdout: 11 h 32 min
